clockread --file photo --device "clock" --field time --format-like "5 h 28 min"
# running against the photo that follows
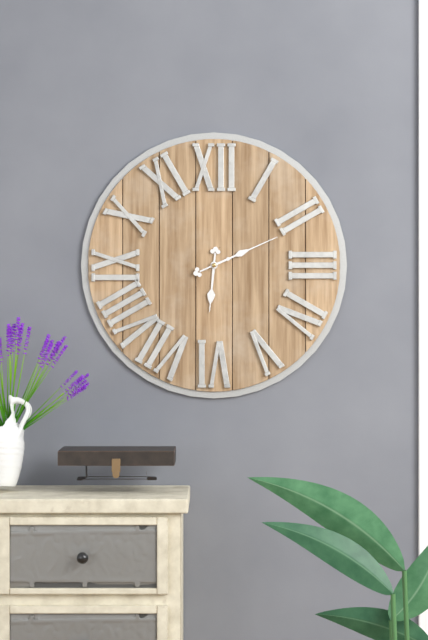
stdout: 6 h 11 min
